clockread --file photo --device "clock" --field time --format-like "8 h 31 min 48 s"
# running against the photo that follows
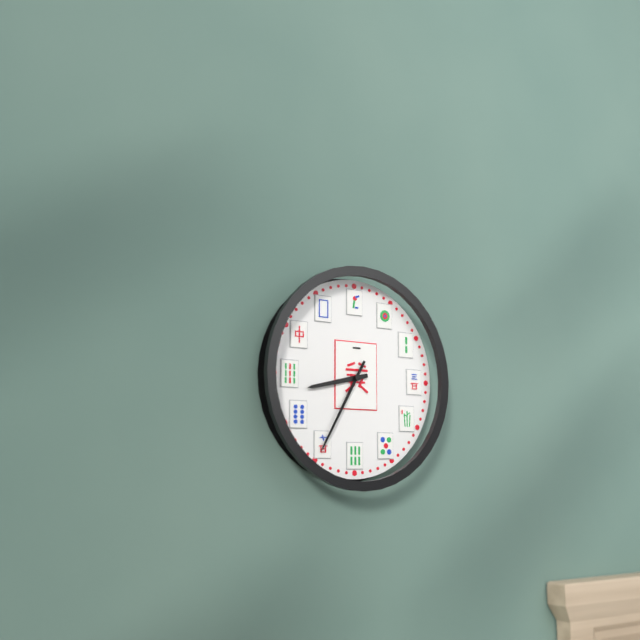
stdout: 8 h 35 min 35 s
